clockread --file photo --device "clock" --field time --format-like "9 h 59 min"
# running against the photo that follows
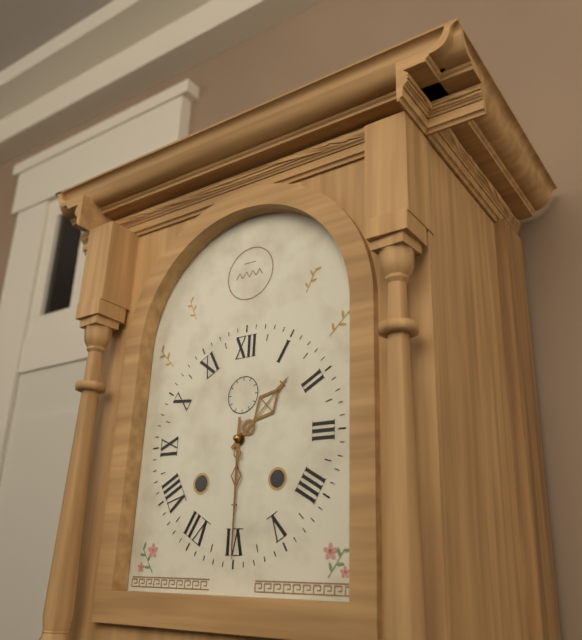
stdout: 1 h 30 min
